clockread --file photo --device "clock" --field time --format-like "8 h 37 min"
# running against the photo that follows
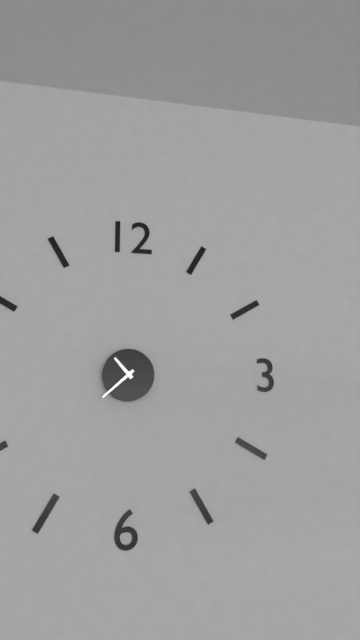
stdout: 10 h 38 min
